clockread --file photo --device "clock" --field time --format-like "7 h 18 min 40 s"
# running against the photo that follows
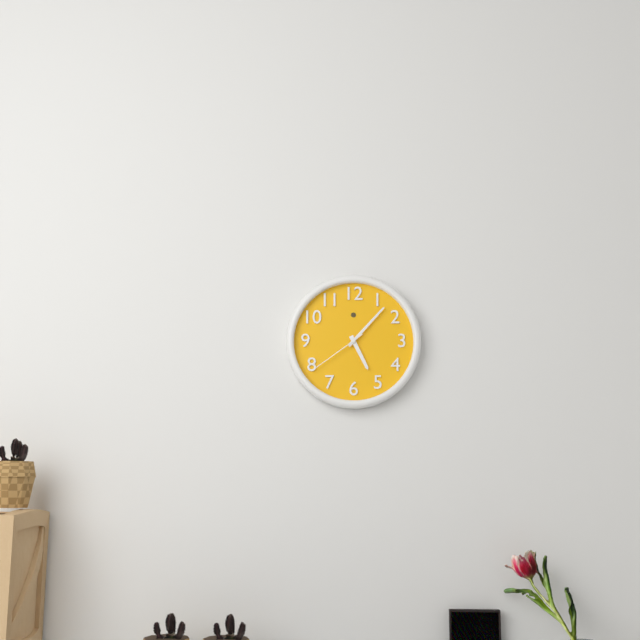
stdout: 5 h 07 min 39 s
